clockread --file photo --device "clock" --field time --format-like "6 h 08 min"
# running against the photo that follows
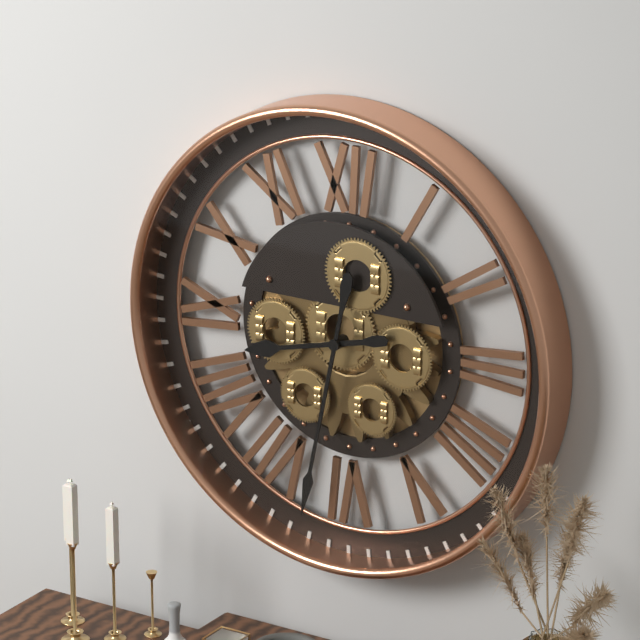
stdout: 8 h 32 min
